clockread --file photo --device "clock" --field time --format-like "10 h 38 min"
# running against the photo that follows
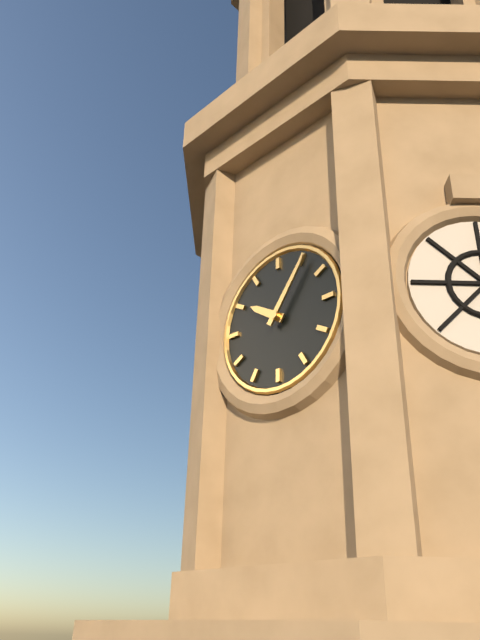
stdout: 10 h 06 min
